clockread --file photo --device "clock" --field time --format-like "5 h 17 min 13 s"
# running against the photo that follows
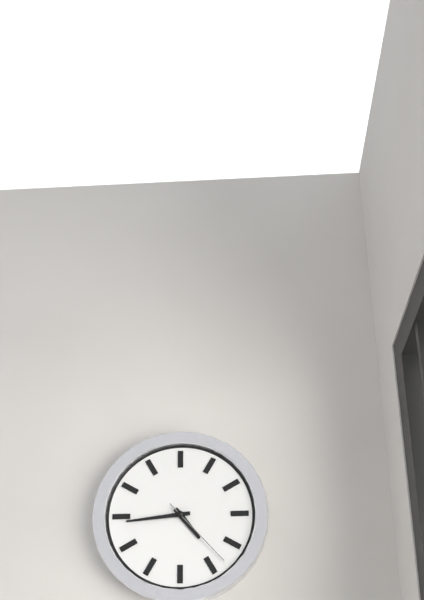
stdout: 4 h 44 min 23 s
